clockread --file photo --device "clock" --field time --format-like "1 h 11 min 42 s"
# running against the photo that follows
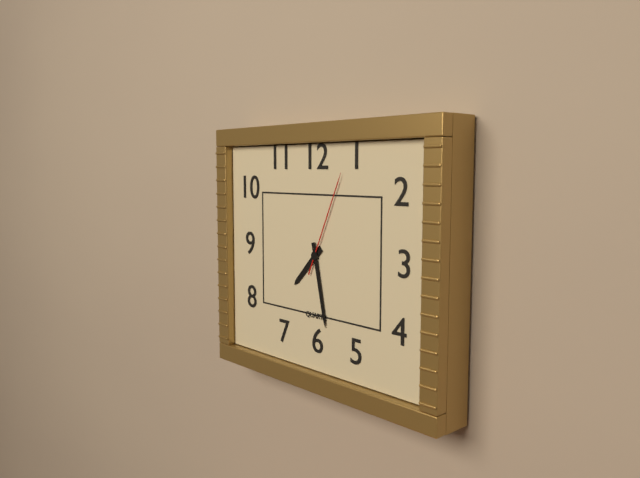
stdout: 7 h 28 min 04 s
